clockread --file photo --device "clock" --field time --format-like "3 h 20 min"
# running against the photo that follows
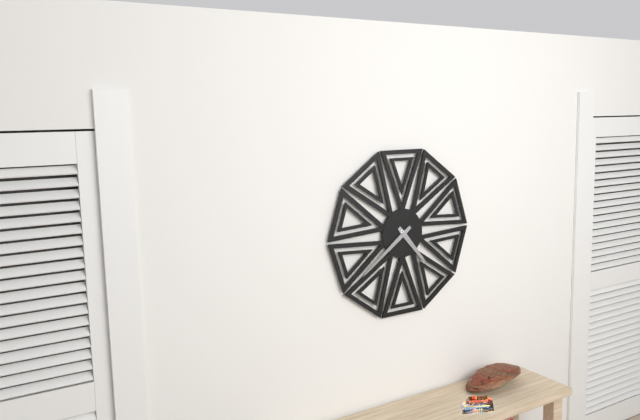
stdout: 4 h 39 min
